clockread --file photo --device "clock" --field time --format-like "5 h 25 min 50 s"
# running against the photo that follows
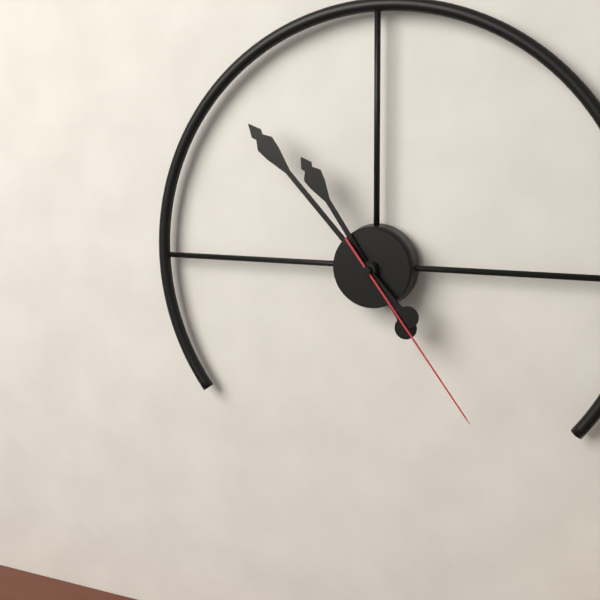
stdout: 10 h 53 min 24 s
